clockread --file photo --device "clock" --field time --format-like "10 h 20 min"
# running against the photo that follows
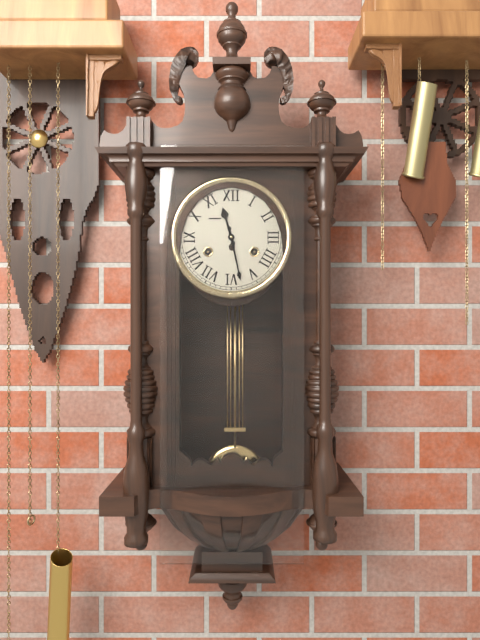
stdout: 11 h 28 min
